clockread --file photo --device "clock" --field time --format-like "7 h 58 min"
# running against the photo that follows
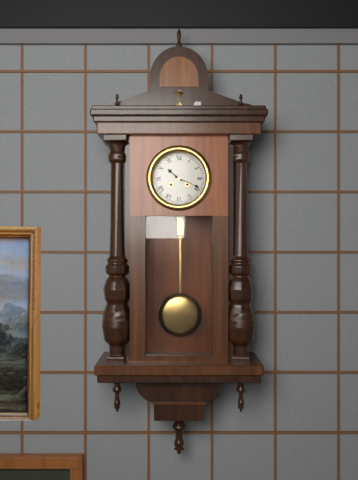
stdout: 10 h 19 min
